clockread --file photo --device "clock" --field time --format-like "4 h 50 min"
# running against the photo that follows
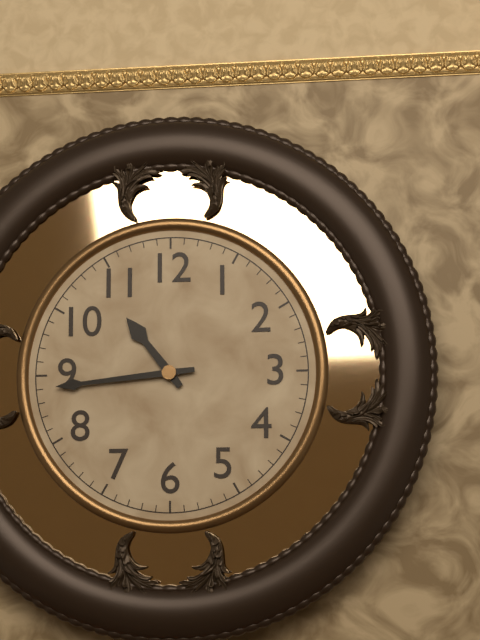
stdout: 10 h 44 min
